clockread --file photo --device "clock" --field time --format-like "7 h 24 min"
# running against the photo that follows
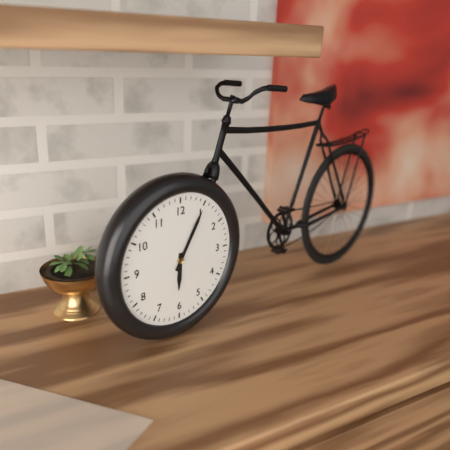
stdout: 6 h 05 min
